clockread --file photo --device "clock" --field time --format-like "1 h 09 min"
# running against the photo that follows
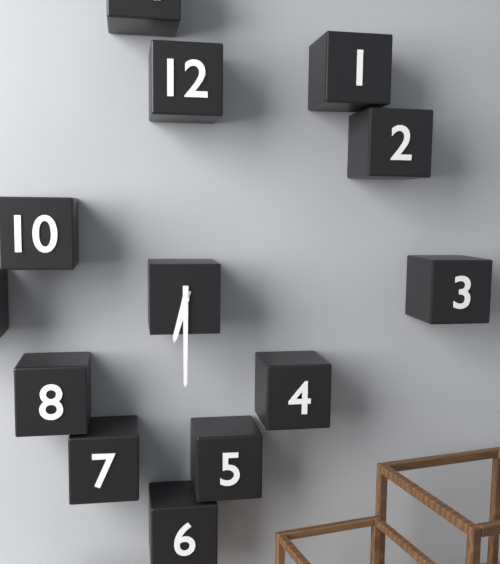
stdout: 6 h 30 min
